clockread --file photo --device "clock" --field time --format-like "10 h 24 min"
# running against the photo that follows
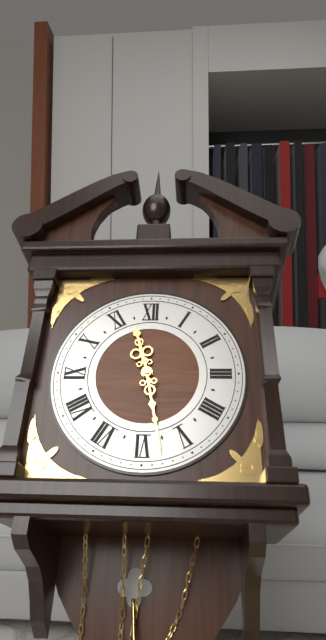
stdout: 11 h 28 min
